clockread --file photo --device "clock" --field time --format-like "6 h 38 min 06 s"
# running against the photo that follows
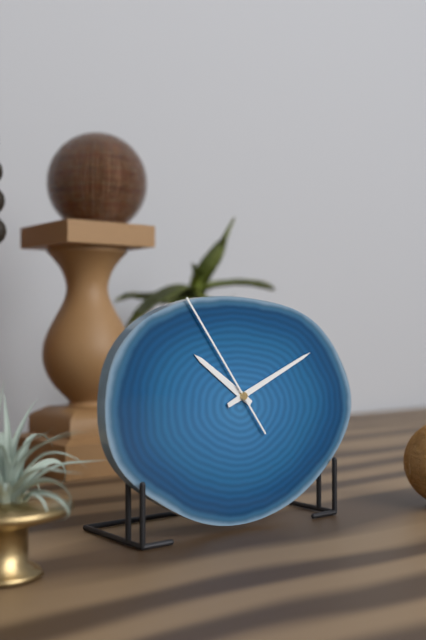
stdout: 10 h 11 min 54 s
